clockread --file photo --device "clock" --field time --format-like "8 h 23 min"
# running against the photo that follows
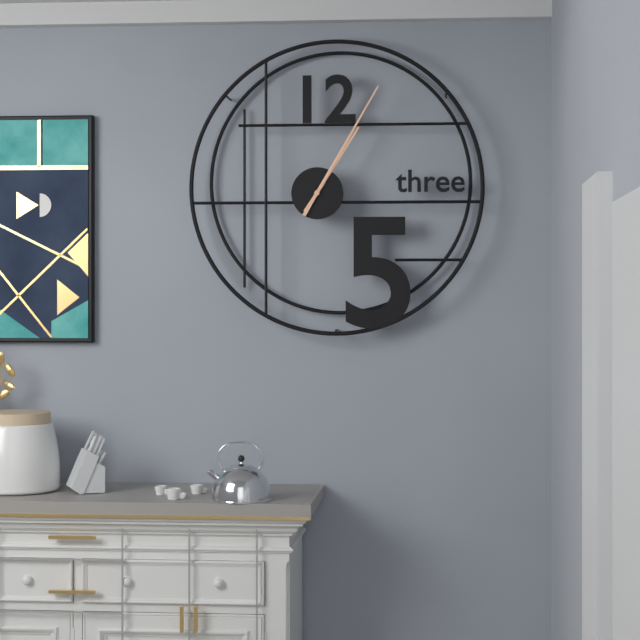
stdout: 1 h 05 min
